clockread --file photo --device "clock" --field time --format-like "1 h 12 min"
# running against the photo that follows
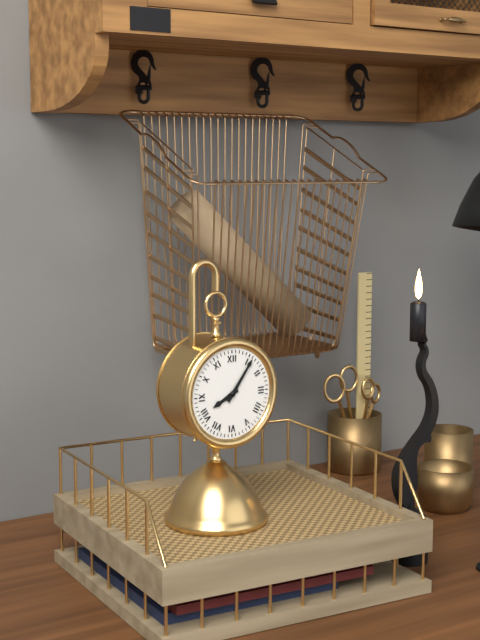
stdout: 8 h 06 min
